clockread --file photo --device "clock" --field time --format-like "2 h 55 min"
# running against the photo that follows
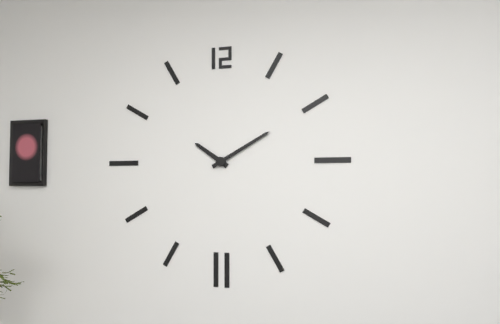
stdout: 10 h 10 min
